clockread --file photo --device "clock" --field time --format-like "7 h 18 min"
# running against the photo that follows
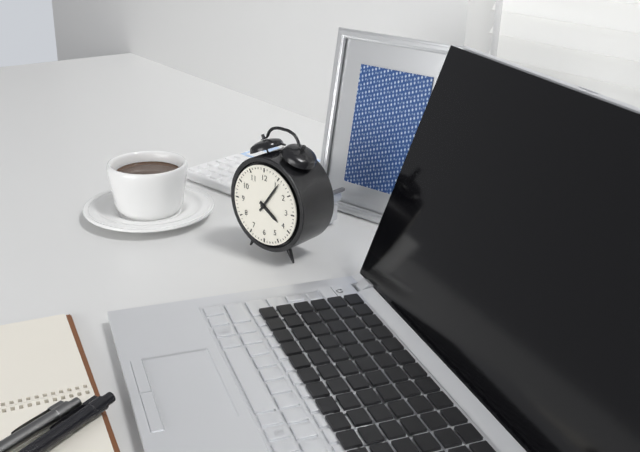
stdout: 4 h 06 min
